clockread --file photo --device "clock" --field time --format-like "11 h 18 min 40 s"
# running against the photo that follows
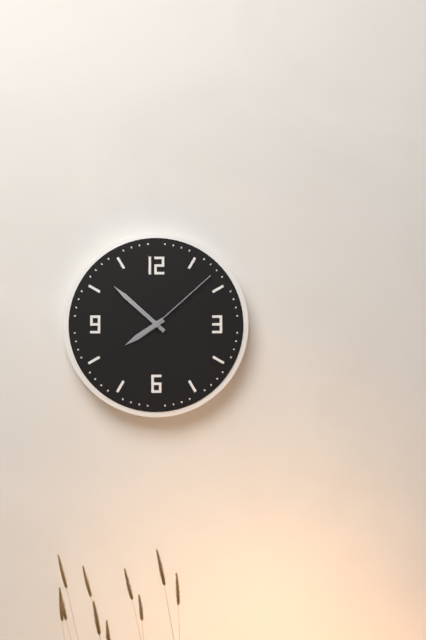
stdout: 7 h 52 min 08 s
